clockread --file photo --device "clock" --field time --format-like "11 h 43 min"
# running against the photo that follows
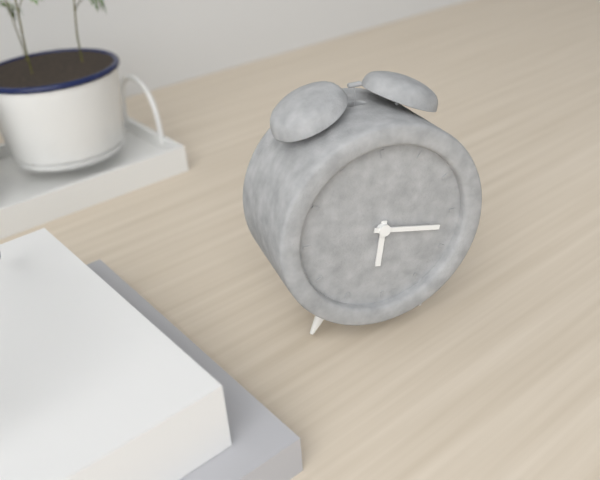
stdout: 6 h 17 min
